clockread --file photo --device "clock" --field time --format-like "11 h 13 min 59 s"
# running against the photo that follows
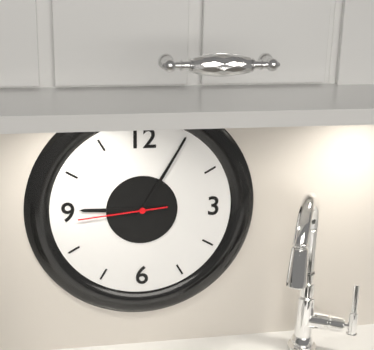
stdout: 9 h 05 min 44 s
